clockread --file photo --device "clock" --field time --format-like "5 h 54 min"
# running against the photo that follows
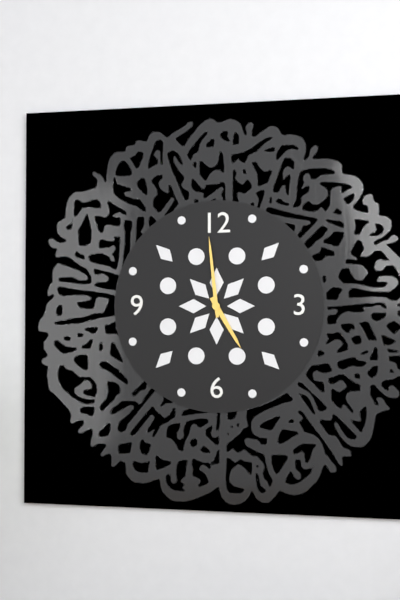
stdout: 4 h 59 min
